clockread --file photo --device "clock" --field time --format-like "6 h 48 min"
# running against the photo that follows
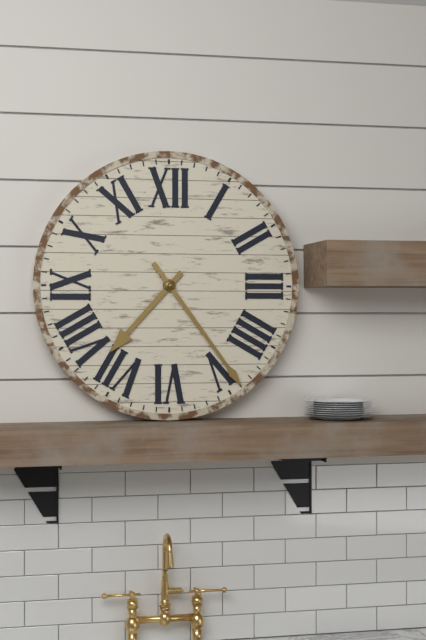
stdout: 7 h 24 min
